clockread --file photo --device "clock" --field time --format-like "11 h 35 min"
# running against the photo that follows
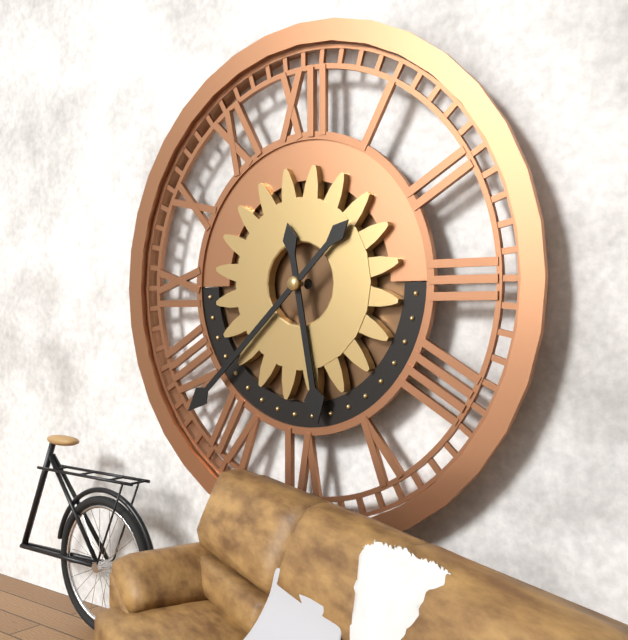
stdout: 5 h 38 min
